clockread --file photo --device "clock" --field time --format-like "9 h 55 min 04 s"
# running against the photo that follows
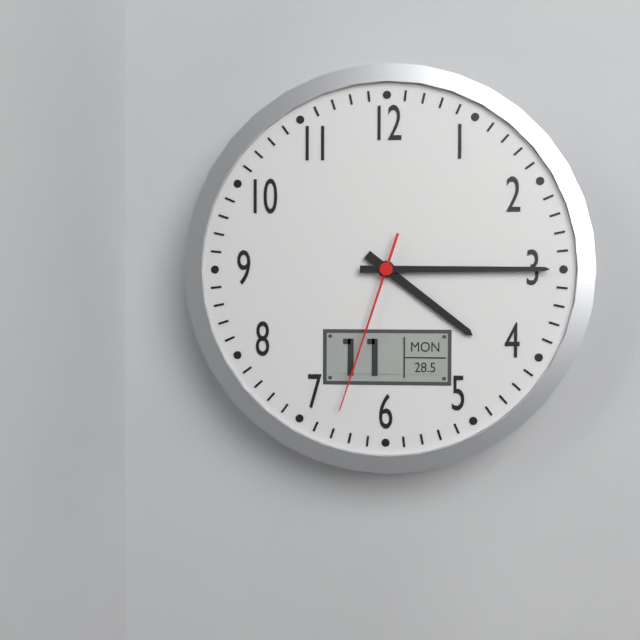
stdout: 4 h 15 min 33 s
